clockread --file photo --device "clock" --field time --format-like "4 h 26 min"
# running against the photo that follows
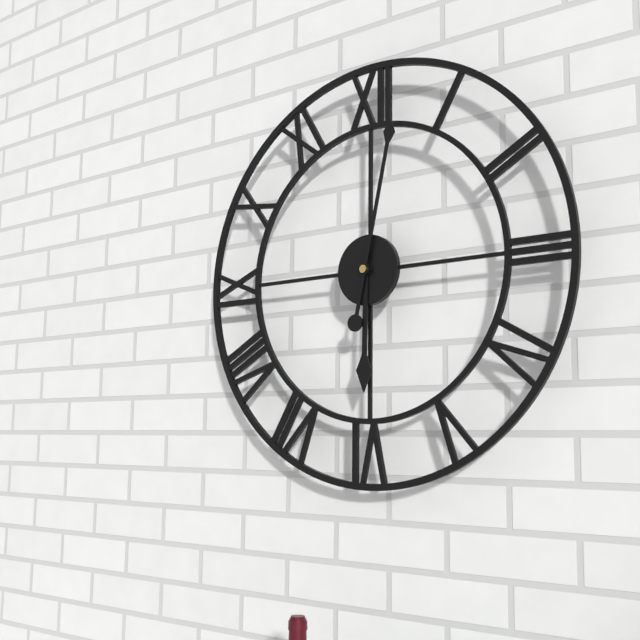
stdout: 6 h 02 min
